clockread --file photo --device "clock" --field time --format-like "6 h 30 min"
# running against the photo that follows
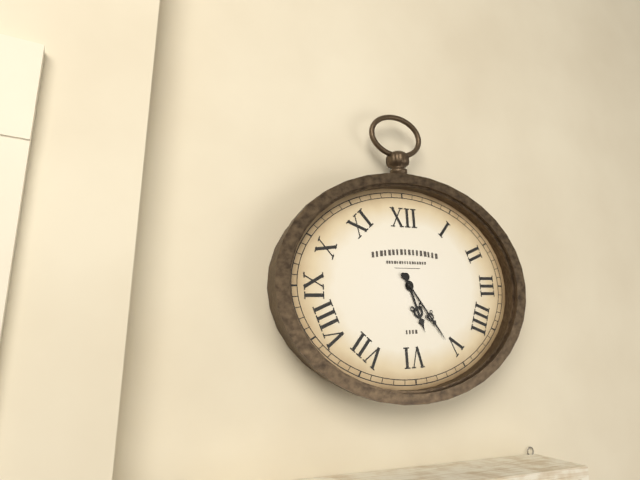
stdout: 5 h 24 min
